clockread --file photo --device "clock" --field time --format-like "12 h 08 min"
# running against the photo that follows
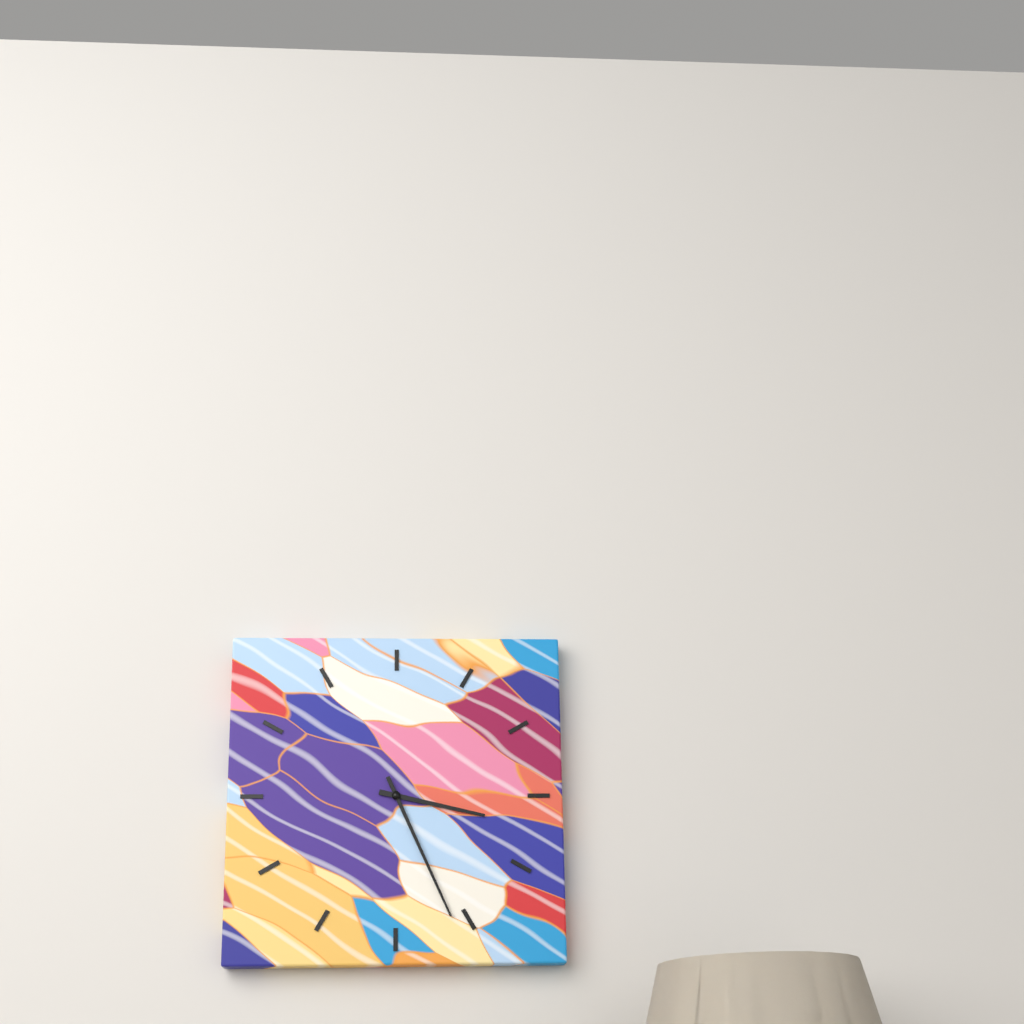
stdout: 3 h 26 min
